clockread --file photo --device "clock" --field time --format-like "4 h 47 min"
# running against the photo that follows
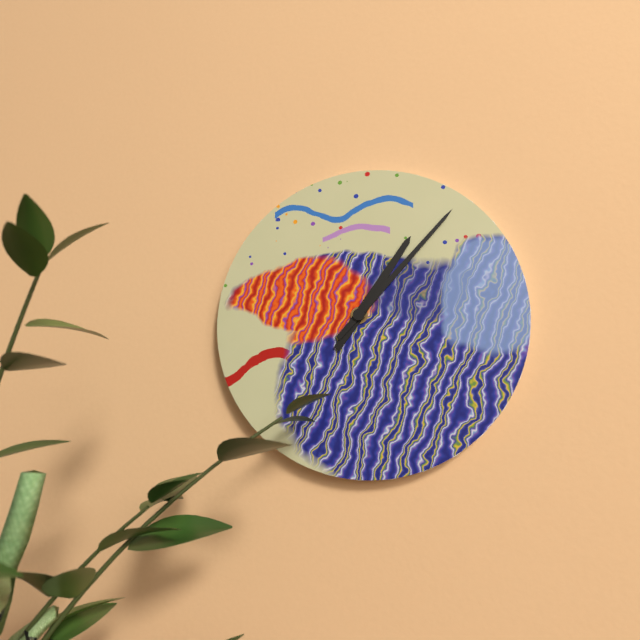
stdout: 1 h 07 min
